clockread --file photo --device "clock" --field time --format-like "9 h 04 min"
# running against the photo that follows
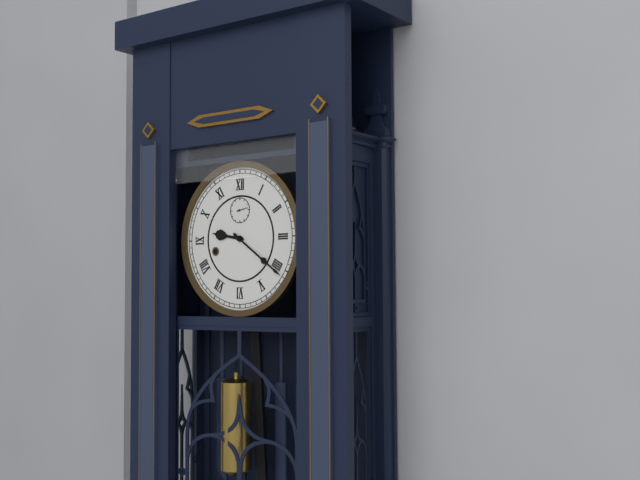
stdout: 9 h 21 min
